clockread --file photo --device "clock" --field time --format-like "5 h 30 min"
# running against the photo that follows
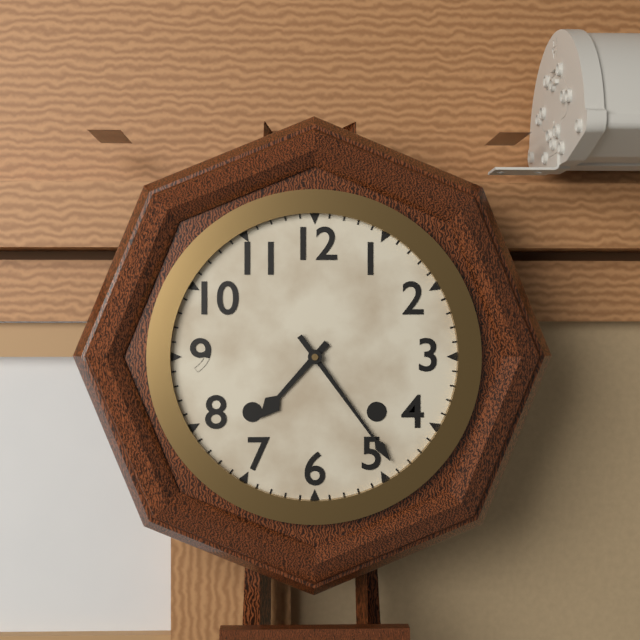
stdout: 7 h 24 min
